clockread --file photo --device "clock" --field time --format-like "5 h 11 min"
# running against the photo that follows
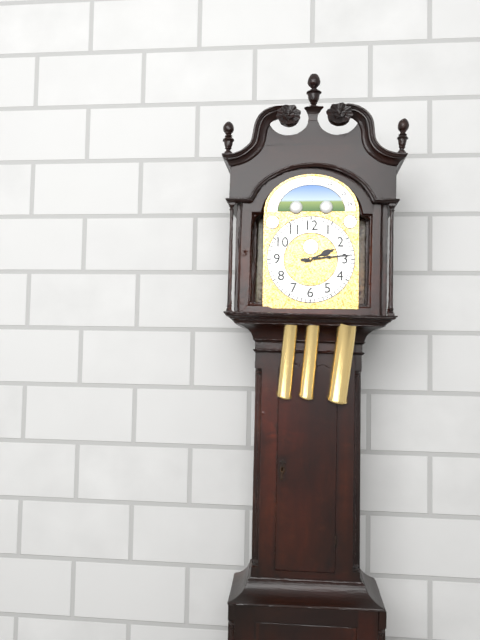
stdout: 2 h 14 min
